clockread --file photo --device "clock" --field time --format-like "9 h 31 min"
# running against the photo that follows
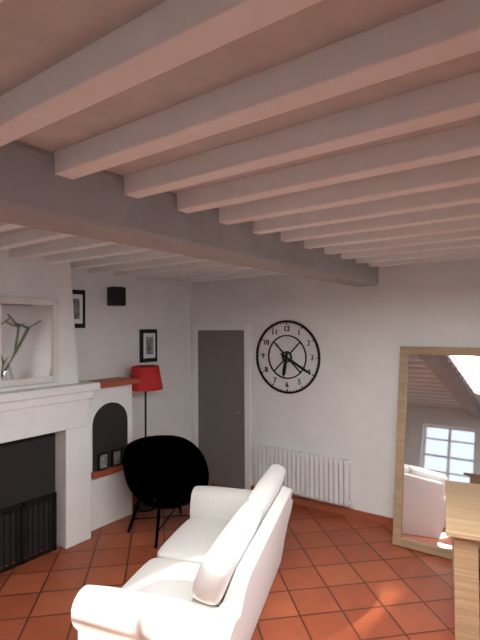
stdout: 6 h 20 min
